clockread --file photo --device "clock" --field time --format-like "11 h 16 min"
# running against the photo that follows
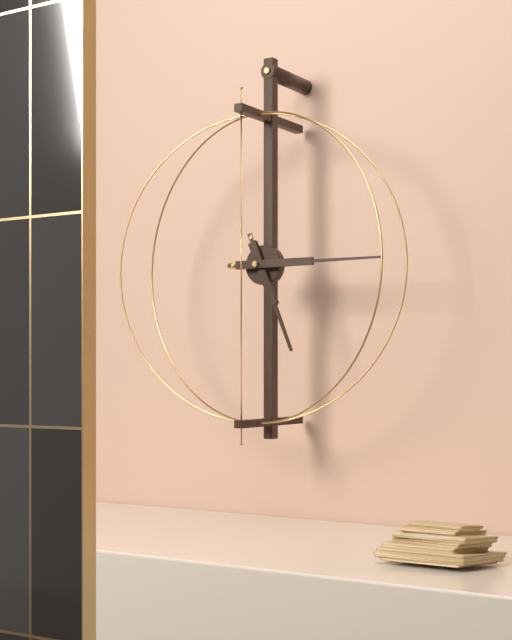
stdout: 5 h 15 min
